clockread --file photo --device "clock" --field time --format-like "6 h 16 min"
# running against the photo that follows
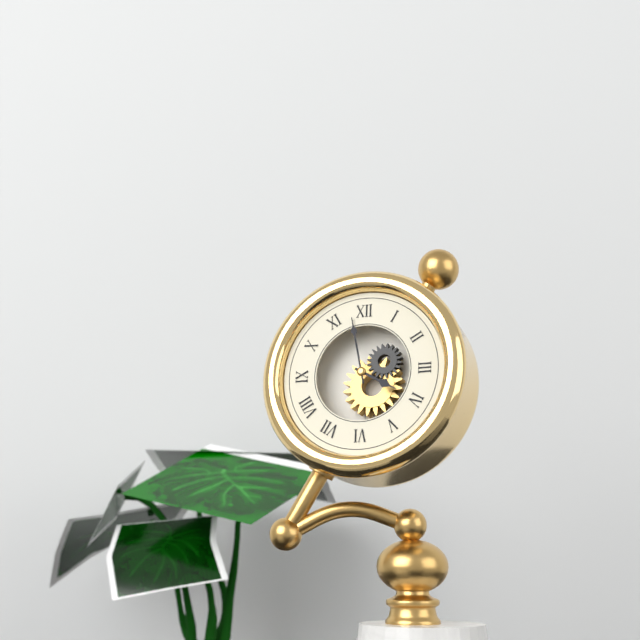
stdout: 3 h 58 min
